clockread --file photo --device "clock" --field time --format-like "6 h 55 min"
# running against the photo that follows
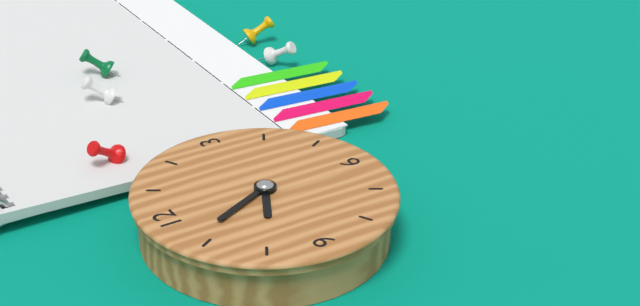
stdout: 9 h 56 min
